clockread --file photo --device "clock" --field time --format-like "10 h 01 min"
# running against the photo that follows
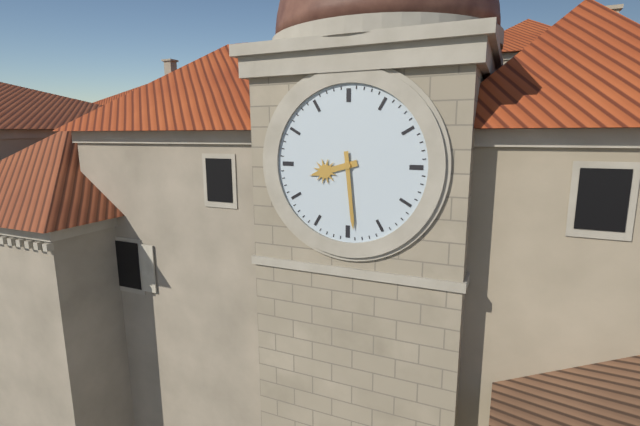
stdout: 8 h 29 min
